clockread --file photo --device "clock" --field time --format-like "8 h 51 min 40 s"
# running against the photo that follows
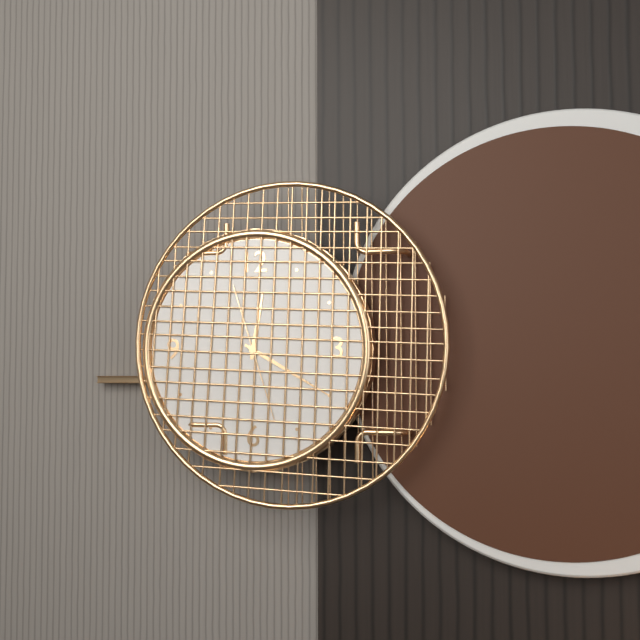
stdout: 12 h 20 min 27 s
